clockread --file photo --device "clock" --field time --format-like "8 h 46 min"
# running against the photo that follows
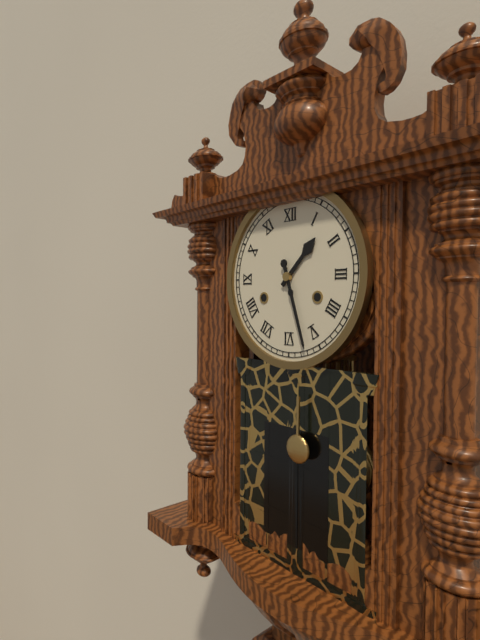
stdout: 1 h 27 min
